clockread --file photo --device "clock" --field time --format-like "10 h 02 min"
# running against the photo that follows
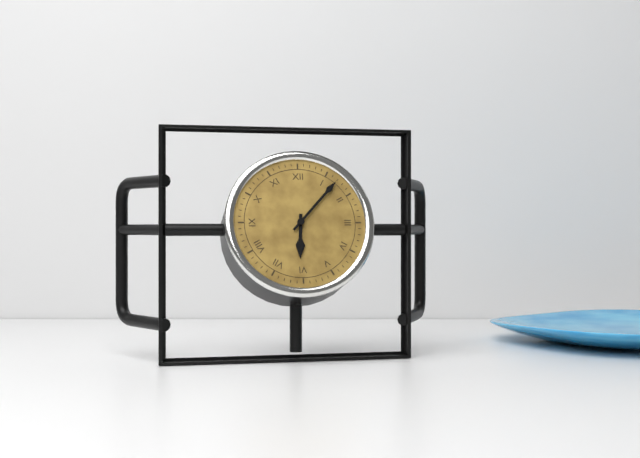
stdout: 6 h 07 min
